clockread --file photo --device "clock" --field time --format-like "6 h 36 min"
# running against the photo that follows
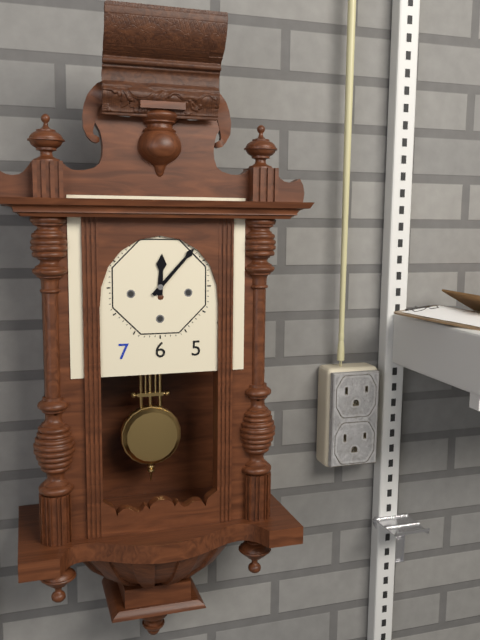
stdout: 12 h 07 min
